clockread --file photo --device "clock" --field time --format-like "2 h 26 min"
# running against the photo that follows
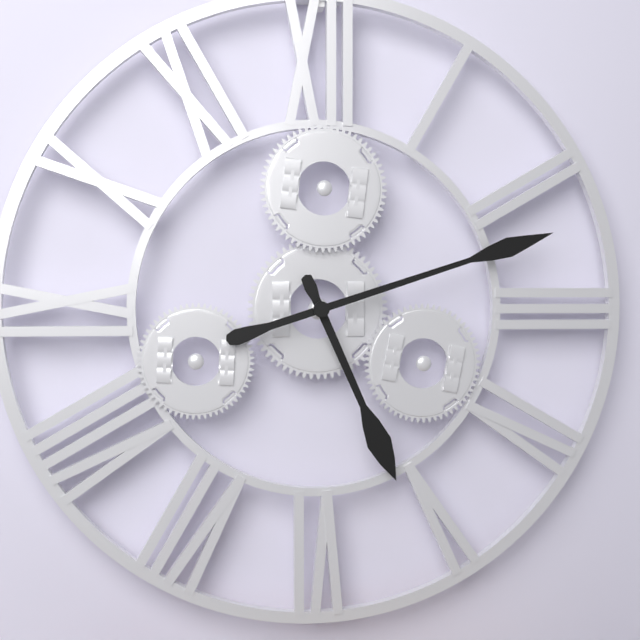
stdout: 5 h 12 min
